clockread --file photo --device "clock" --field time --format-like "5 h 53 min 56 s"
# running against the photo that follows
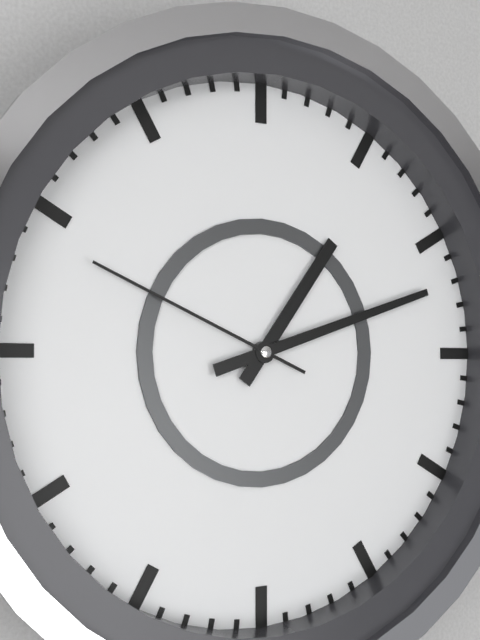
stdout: 1 h 12 min 49 s
